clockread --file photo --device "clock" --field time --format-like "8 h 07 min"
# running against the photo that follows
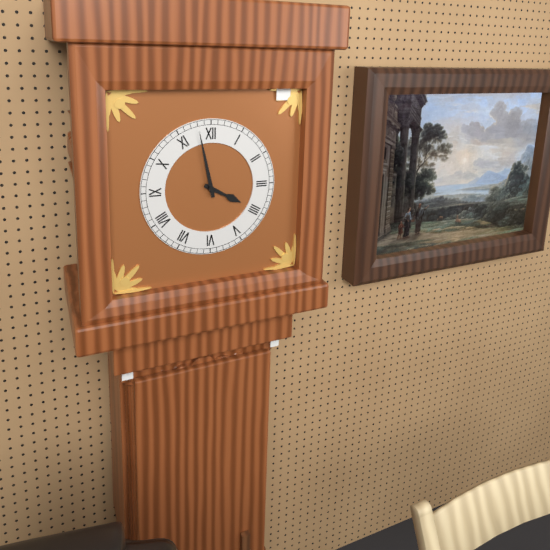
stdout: 3 h 58 min
